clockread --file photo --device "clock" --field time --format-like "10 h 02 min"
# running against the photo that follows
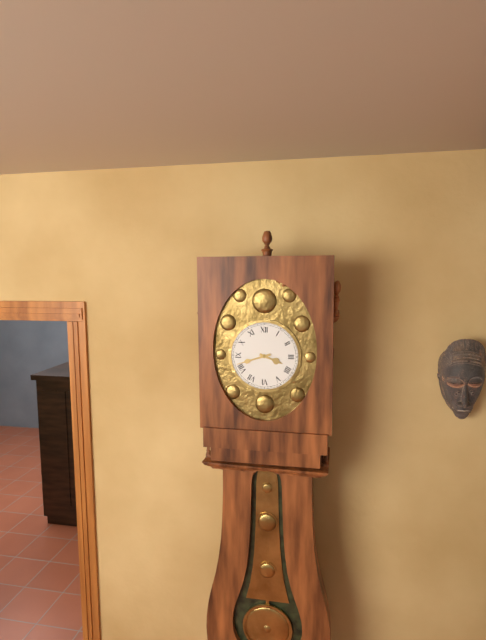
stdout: 3 h 42 min
